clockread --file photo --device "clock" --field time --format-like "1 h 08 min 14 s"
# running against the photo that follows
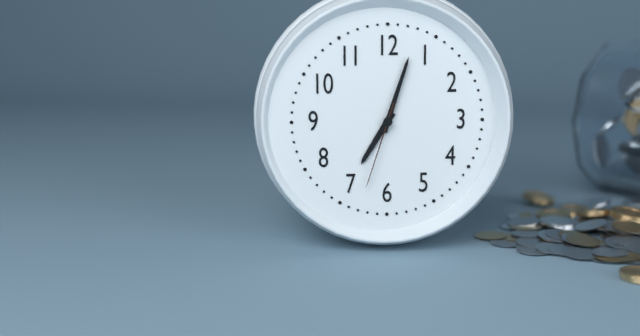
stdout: 7 h 03 min 33 s
